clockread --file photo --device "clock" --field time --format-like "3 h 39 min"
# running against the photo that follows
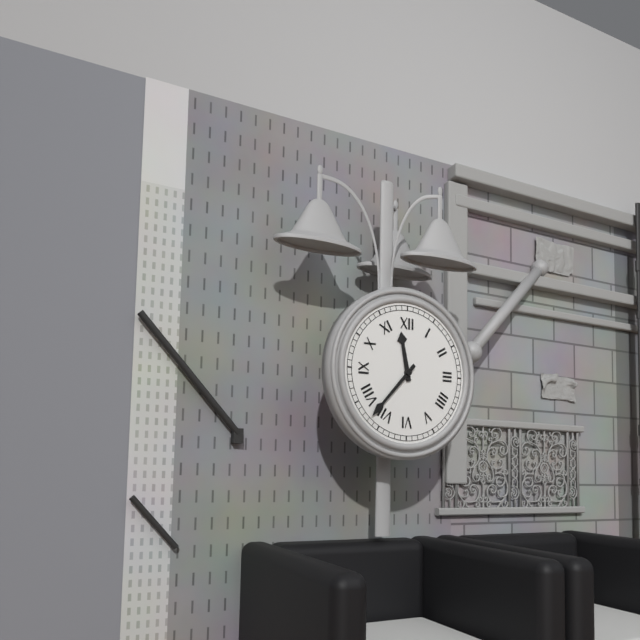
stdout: 11 h 37 min
